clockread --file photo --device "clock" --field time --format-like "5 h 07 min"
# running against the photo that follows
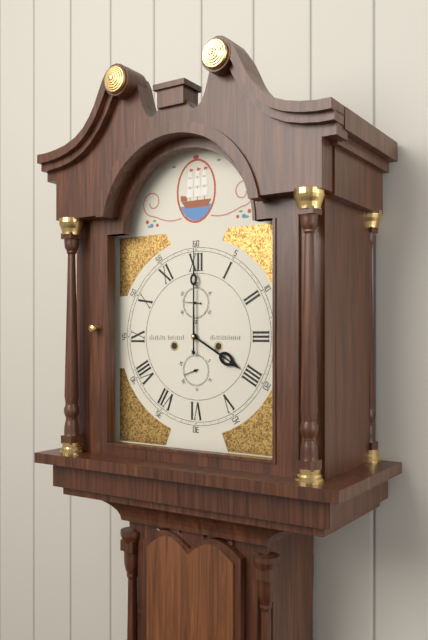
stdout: 4 h 00 min
